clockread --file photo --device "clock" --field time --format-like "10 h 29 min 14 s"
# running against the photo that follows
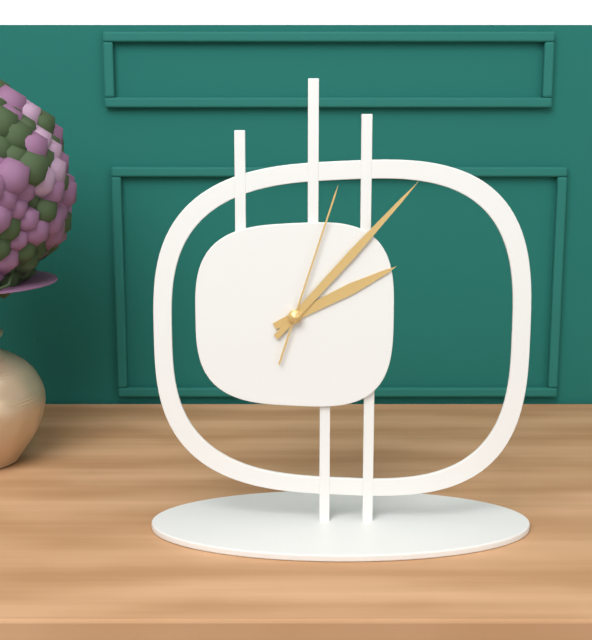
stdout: 2 h 07 min 03 s
